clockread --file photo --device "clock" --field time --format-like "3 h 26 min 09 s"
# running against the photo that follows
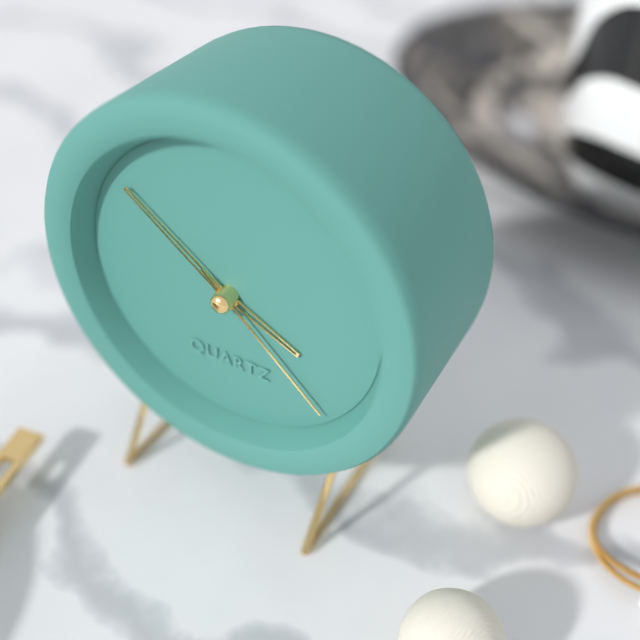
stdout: 3 h 51 min 22 s
